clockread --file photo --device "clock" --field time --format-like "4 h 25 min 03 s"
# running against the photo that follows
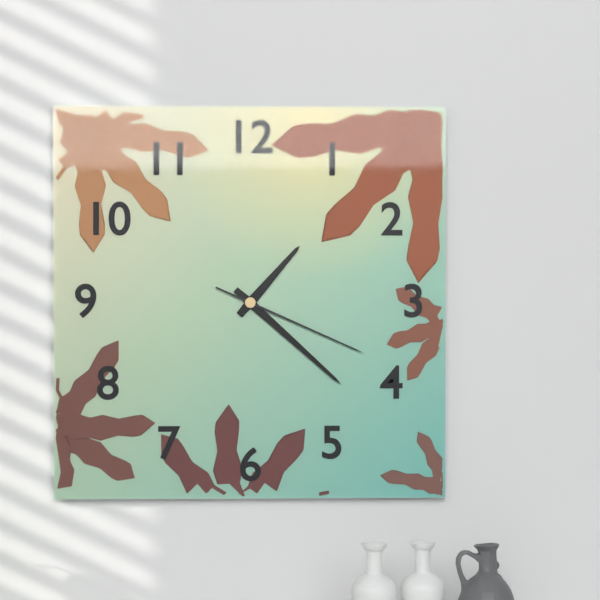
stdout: 1 h 22 min 19 s
